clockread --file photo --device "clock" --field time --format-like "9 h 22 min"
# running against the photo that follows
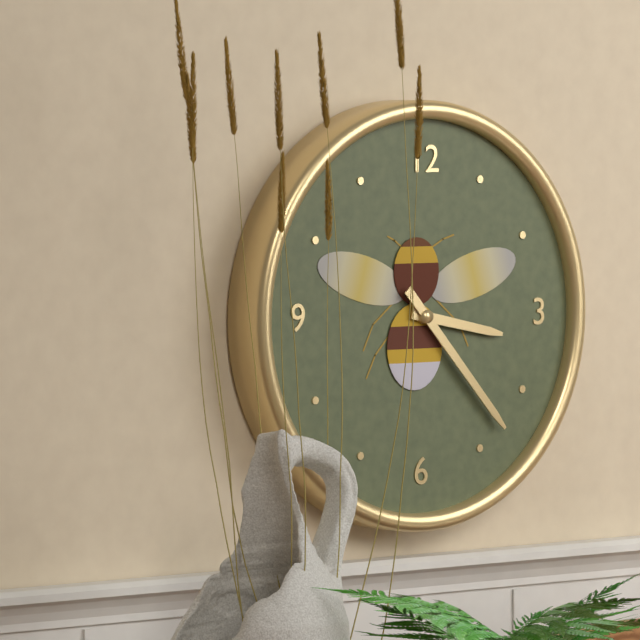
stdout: 3 h 23 min
